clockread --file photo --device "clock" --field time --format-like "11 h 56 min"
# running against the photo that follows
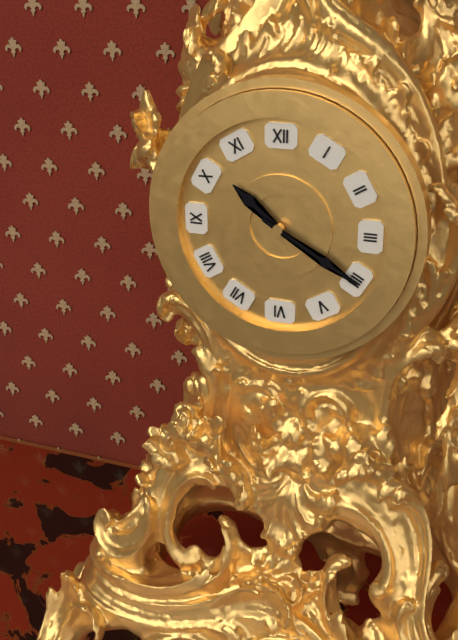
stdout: 10 h 20 min
